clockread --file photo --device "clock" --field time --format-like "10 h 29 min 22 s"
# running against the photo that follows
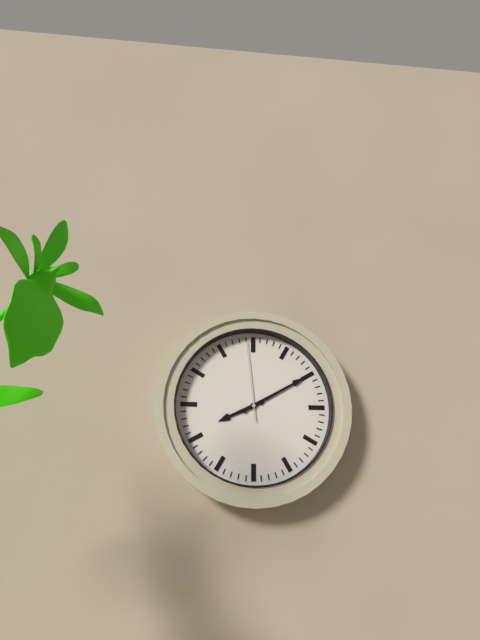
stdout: 8 h 10 min 59 s
